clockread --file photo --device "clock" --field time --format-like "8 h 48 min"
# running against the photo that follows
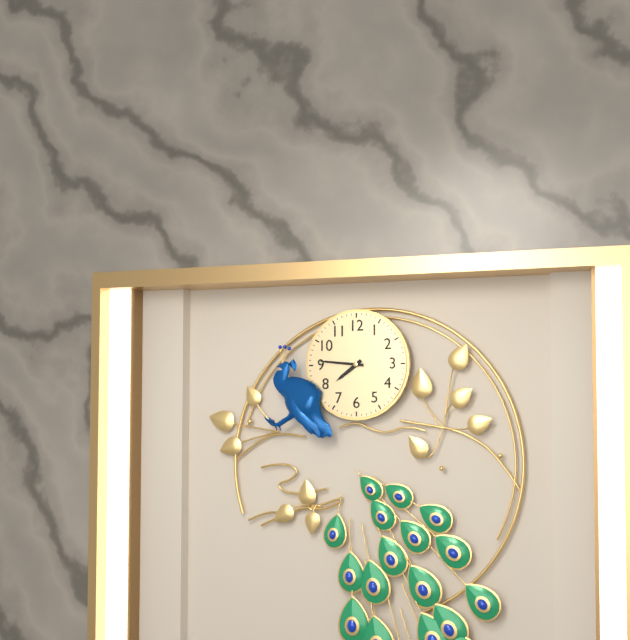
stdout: 7 h 46 min
